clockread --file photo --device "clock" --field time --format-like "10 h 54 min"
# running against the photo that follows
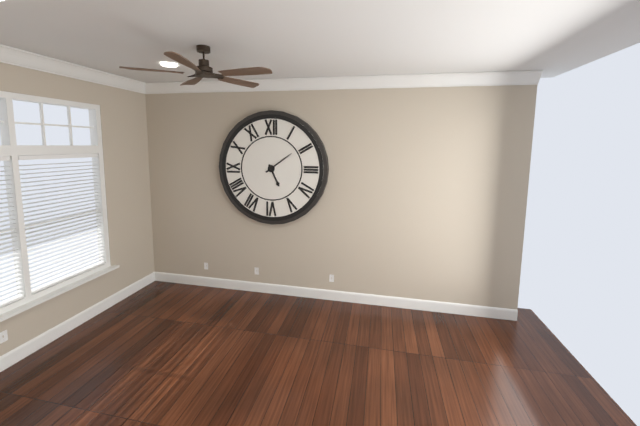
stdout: 5 h 09 min
